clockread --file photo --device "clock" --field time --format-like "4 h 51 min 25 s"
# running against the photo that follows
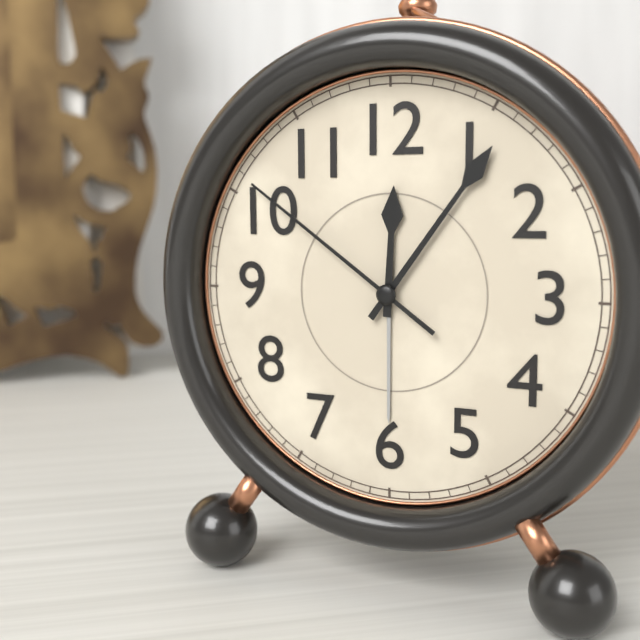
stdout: 12 h 06 min 51 s
